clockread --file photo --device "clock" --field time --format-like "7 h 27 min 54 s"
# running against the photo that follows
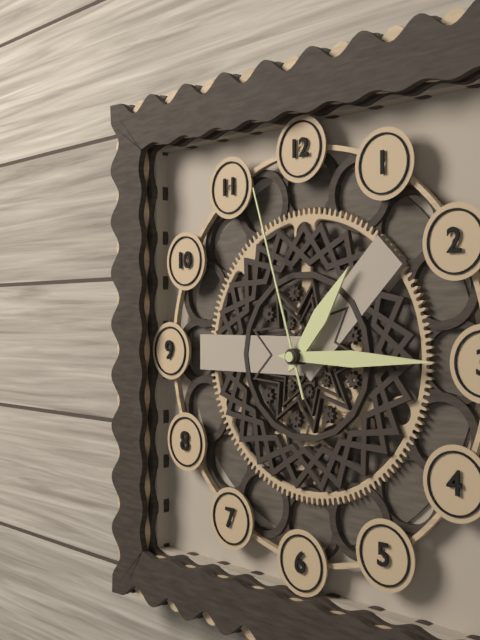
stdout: 1 h 15 min 57 s
